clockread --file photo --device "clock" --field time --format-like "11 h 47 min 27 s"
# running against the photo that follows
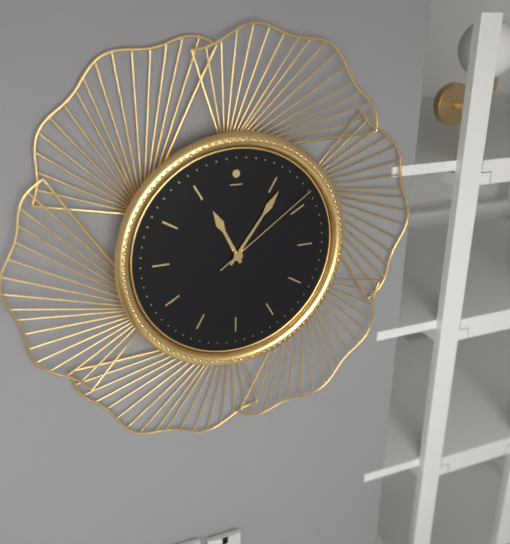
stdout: 11 h 06 min 09 s
